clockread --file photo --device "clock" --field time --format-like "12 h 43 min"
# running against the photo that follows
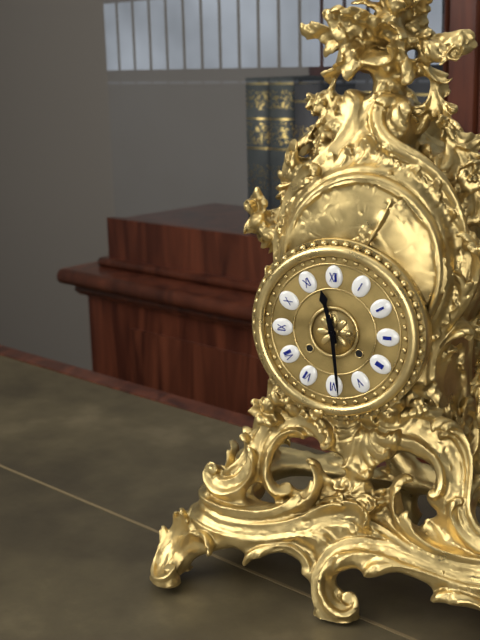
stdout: 11 h 29 min
